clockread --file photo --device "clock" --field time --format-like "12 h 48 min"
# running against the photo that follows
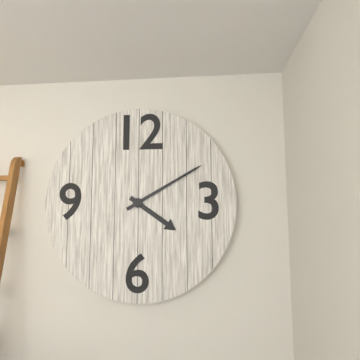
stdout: 4 h 10 min
